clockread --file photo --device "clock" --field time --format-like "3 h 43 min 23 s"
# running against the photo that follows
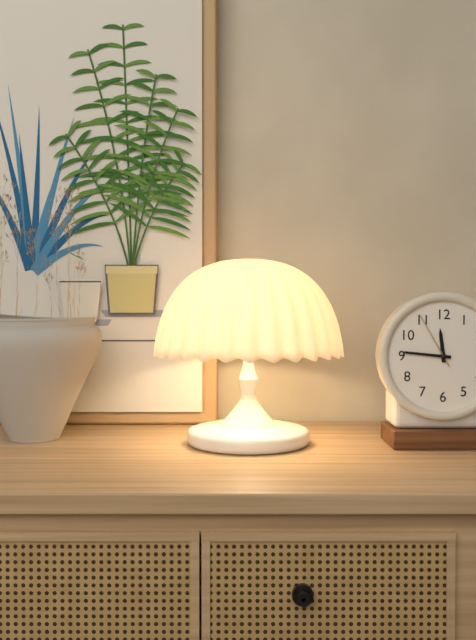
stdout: 11 h 46 min 55 s
